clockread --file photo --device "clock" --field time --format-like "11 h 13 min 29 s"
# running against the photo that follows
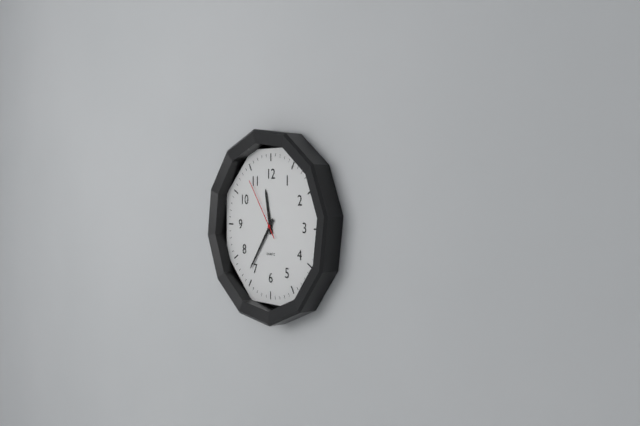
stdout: 11 h 36 min 54 s
